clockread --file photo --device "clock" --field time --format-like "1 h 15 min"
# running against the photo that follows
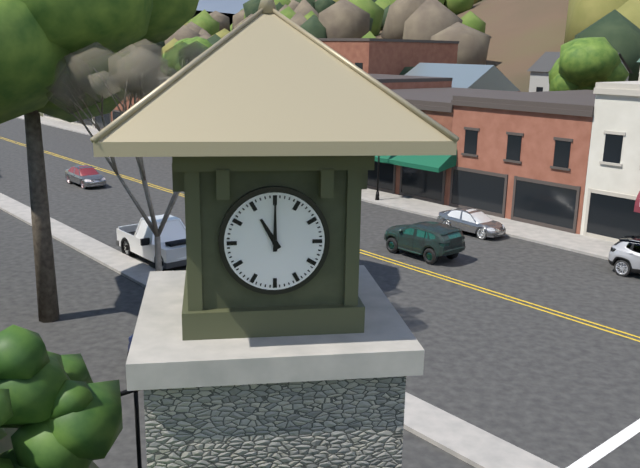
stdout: 11 h 00 min
